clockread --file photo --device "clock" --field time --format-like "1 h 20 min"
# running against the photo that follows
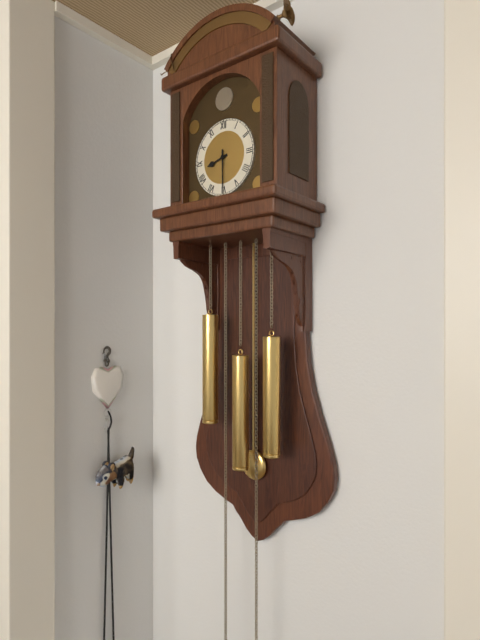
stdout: 8 h 30 min
